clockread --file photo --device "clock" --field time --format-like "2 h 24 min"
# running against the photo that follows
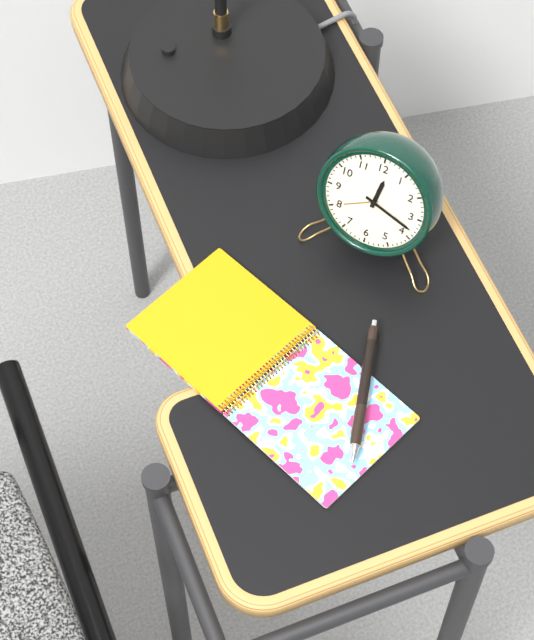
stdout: 12 h 18 min
